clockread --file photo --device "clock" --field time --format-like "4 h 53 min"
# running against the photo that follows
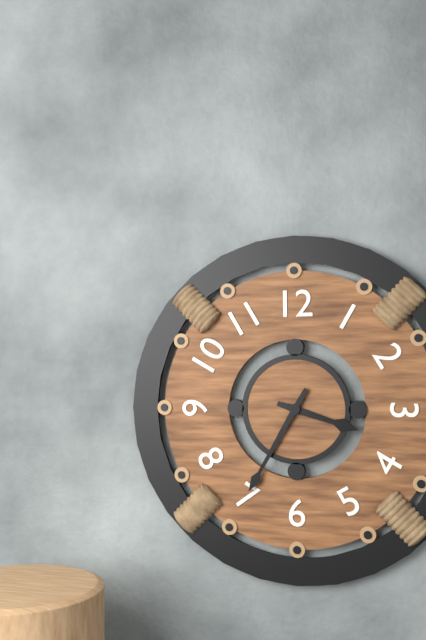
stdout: 3 h 35 min
